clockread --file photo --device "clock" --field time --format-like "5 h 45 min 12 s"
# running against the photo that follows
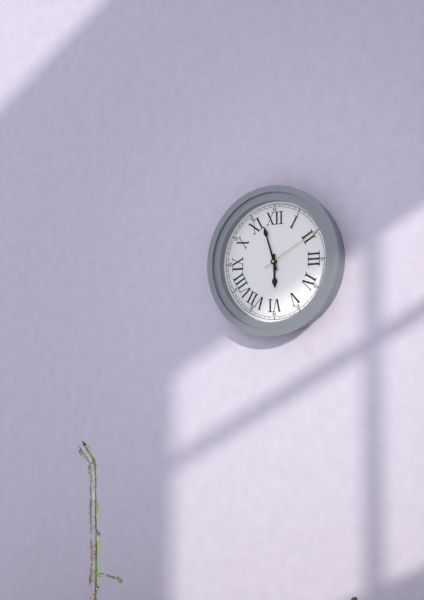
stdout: 5 h 57 min 10 s
